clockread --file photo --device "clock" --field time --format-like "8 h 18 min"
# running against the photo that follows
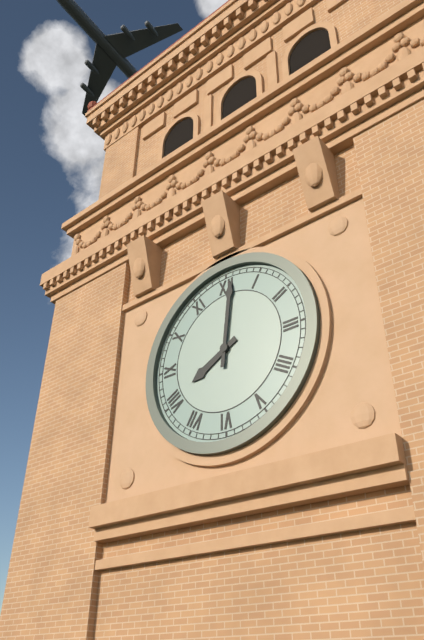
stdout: 8 h 01 min
